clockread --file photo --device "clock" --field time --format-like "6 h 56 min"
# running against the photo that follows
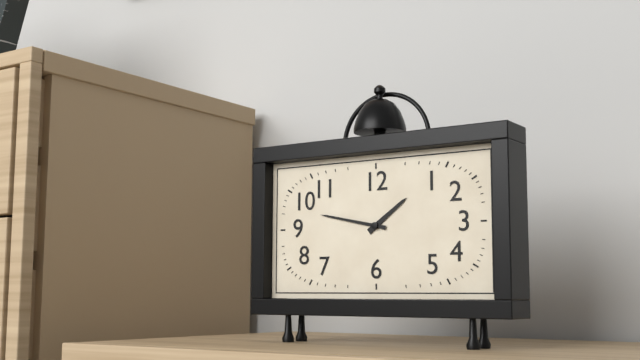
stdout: 1 h 47 min
